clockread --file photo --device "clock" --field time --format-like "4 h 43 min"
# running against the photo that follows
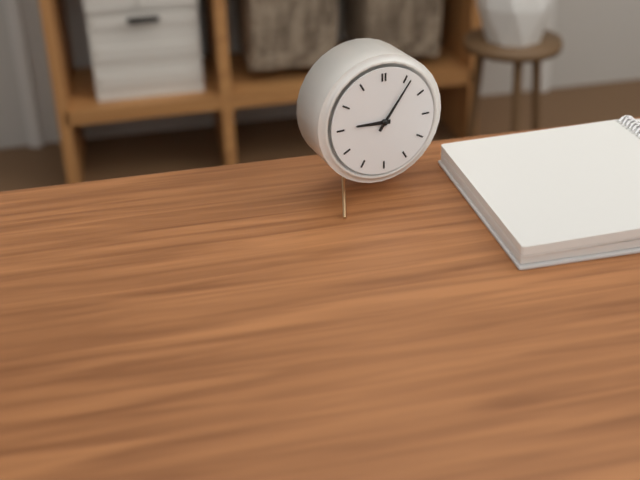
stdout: 9 h 06 min
